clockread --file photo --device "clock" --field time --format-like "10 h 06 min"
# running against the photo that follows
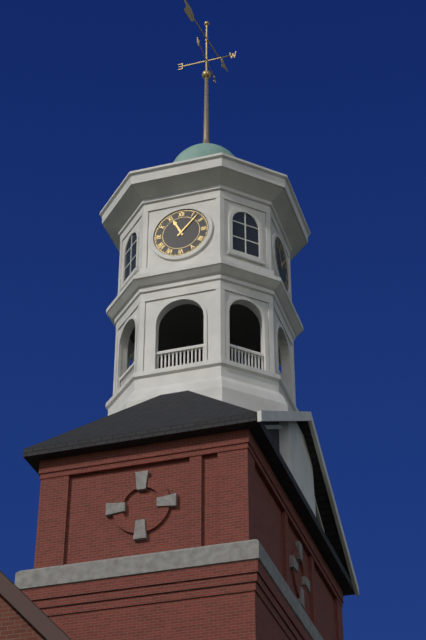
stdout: 11 h 07 min
